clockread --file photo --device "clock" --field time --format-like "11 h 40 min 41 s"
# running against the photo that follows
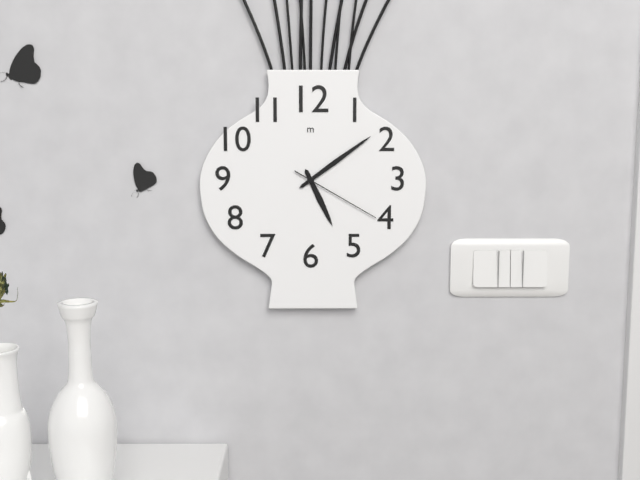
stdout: 5 h 09 min 20 s
